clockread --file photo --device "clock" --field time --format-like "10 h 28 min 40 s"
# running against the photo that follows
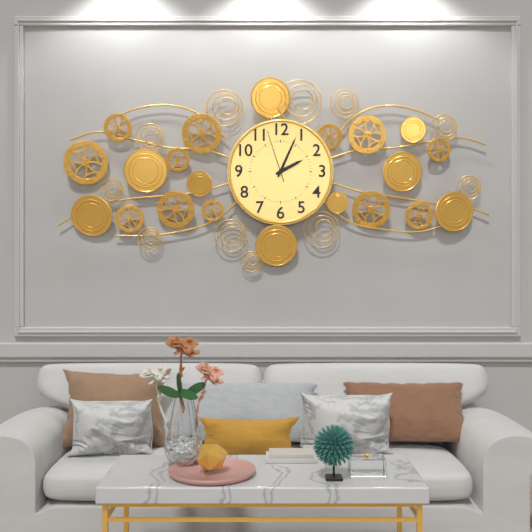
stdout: 2 h 04 min 57 s
